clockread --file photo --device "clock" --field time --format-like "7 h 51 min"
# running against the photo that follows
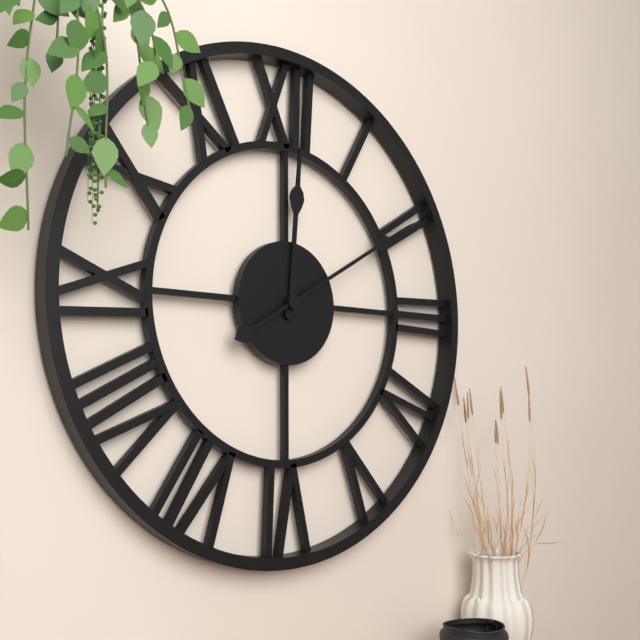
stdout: 12 h 10 min
